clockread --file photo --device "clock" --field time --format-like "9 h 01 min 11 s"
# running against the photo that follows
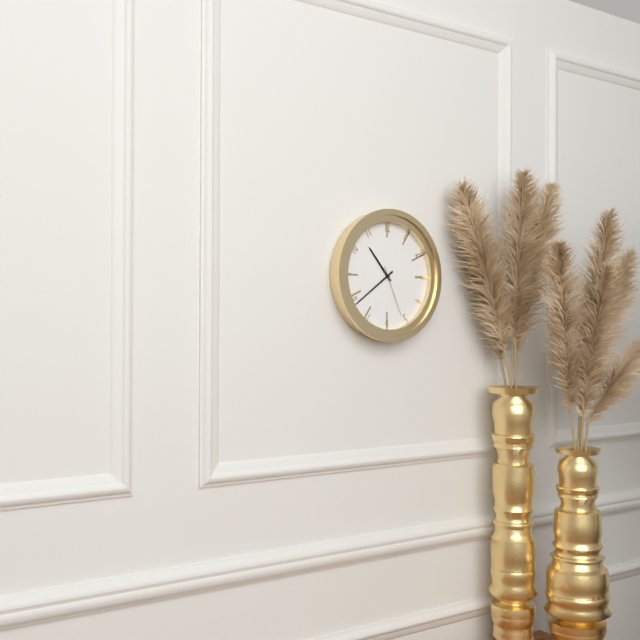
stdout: 10 h 39 min 26 s
